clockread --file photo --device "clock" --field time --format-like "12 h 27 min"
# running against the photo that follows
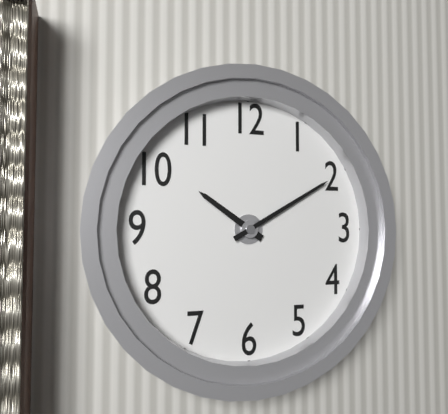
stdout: 10 h 10 min
